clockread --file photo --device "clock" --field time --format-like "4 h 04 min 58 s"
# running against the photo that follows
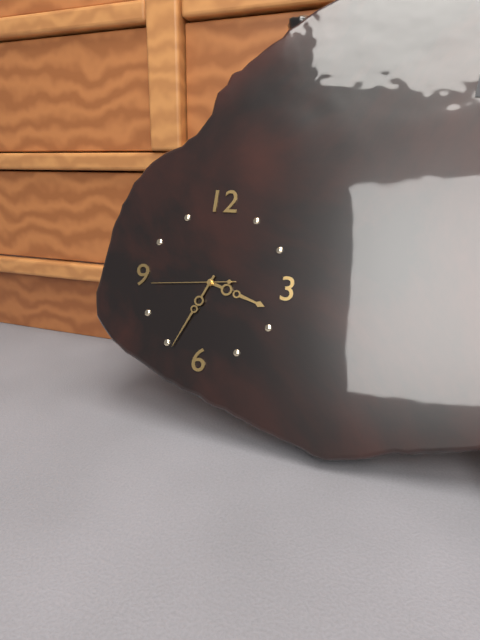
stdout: 3 h 34 min 44 s
